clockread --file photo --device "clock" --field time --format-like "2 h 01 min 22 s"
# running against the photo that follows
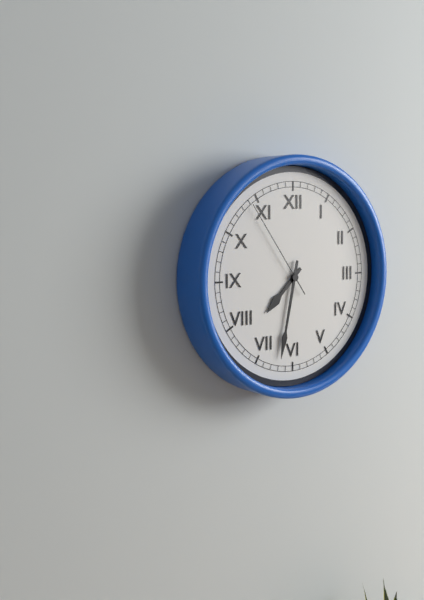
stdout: 7 h 32 min 54 s
